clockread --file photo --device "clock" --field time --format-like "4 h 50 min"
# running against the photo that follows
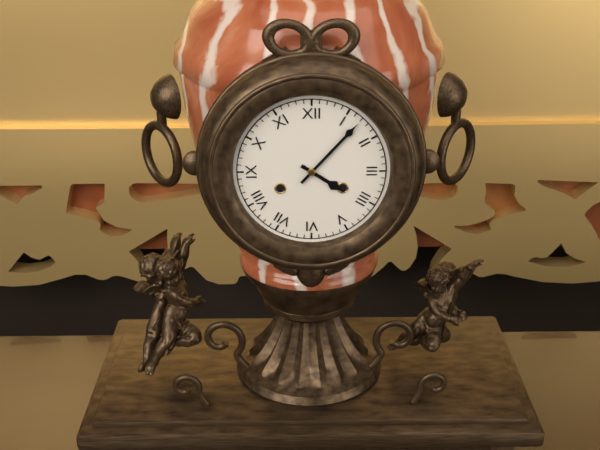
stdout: 4 h 07 min
